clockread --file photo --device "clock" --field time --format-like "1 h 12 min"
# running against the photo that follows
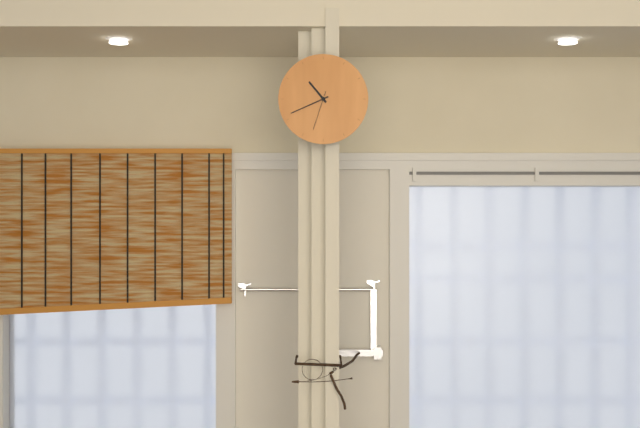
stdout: 10 h 41 min
